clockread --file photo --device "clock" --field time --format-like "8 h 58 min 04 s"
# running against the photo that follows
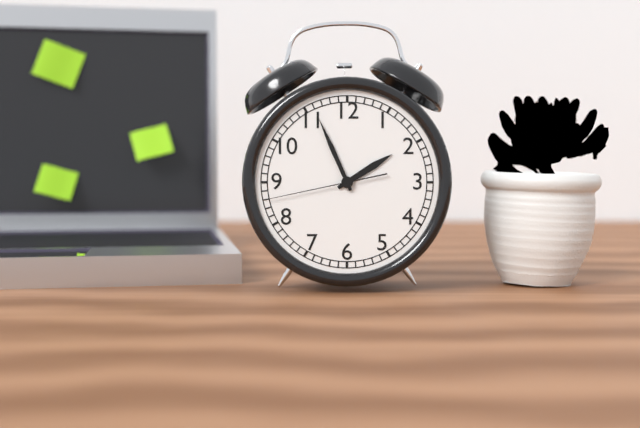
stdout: 1 h 56 min 43 s
